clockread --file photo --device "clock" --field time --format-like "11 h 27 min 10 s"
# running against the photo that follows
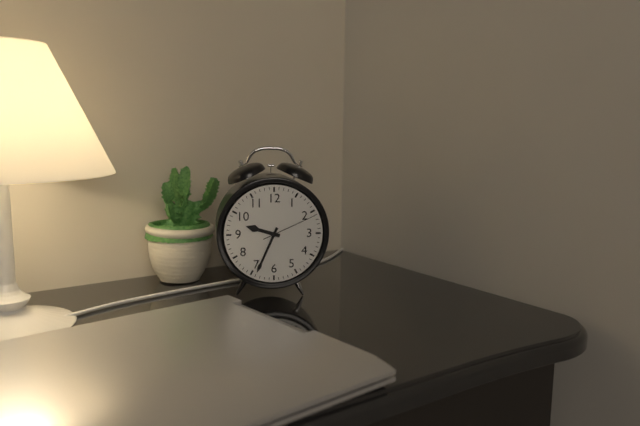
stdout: 9 h 34 min 11 s
